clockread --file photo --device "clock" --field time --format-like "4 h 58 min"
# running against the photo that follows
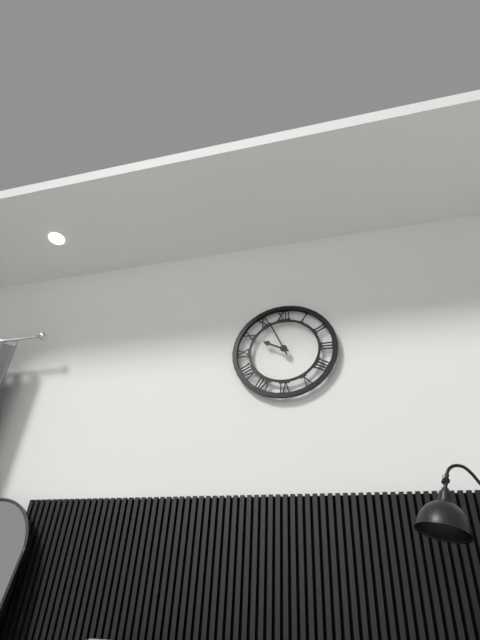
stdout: 9 h 56 min
